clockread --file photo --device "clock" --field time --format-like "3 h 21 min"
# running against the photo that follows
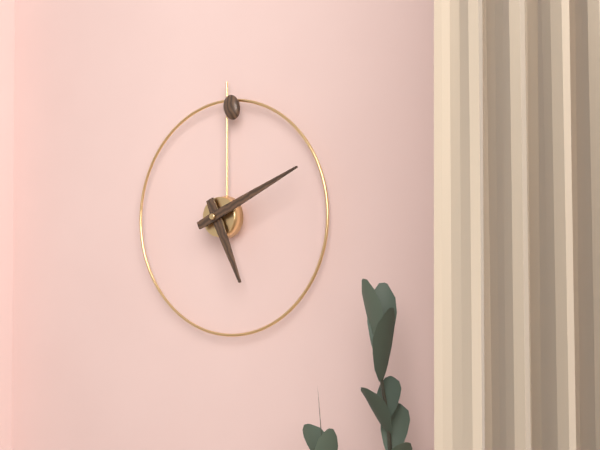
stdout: 5 h 11 min
